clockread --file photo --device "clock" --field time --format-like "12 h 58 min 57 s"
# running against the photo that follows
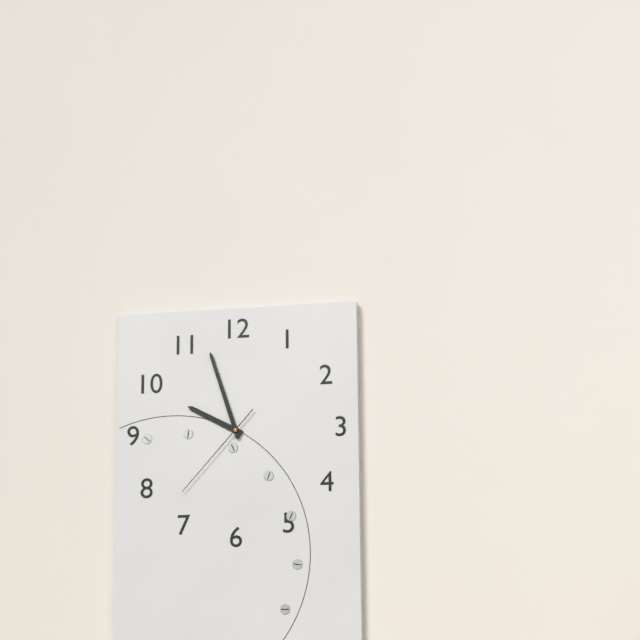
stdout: 9 h 57 min 37 s
